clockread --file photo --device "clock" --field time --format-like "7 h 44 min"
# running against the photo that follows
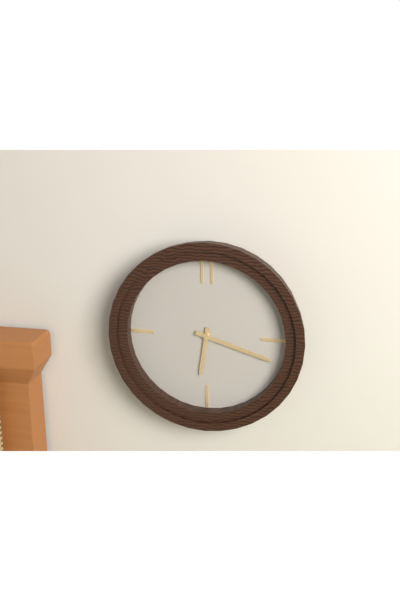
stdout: 6 h 18 min
